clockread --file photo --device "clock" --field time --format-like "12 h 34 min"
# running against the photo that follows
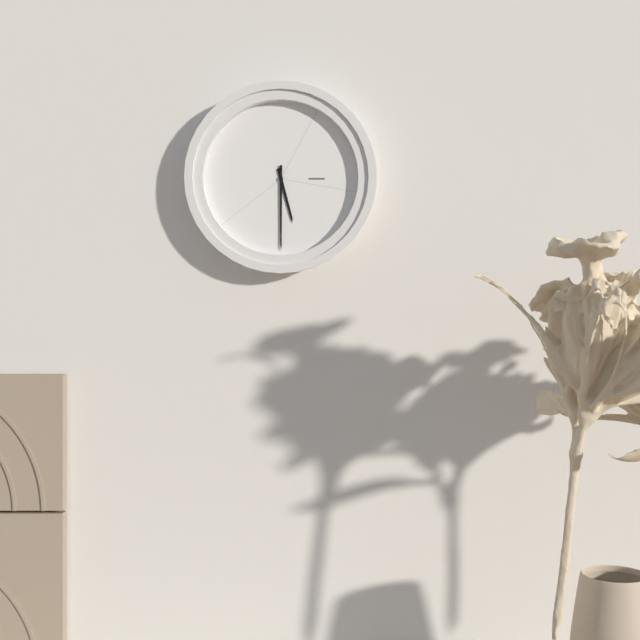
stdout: 5 h 30 min
